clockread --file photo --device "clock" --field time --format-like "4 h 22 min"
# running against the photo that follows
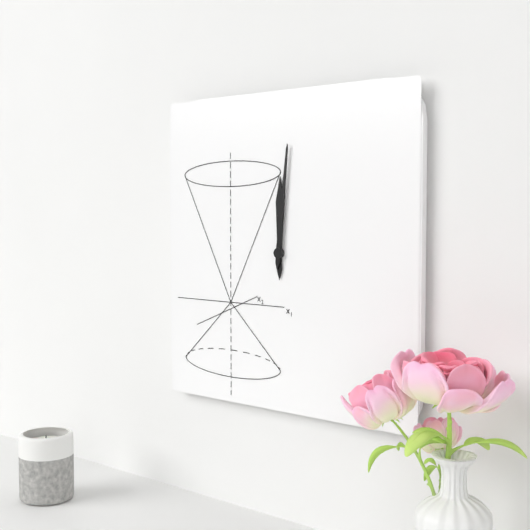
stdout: 12 h 01 min
